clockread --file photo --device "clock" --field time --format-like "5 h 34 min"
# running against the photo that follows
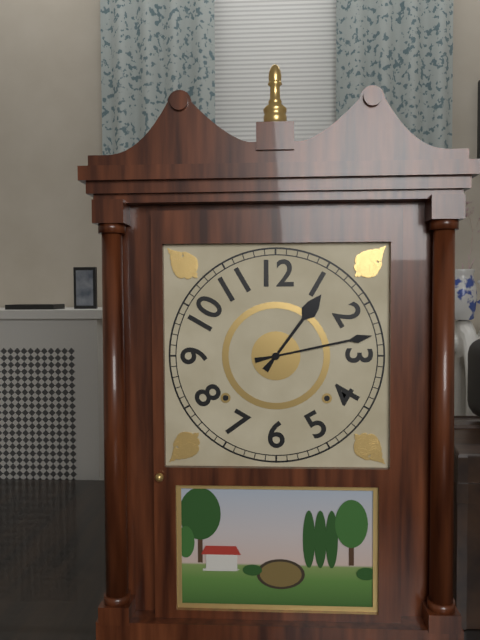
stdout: 1 h 13 min
